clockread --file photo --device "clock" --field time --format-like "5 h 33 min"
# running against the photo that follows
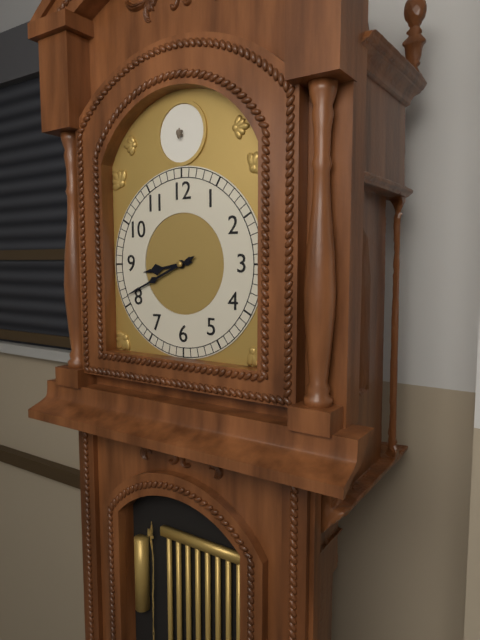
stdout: 8 h 41 min
